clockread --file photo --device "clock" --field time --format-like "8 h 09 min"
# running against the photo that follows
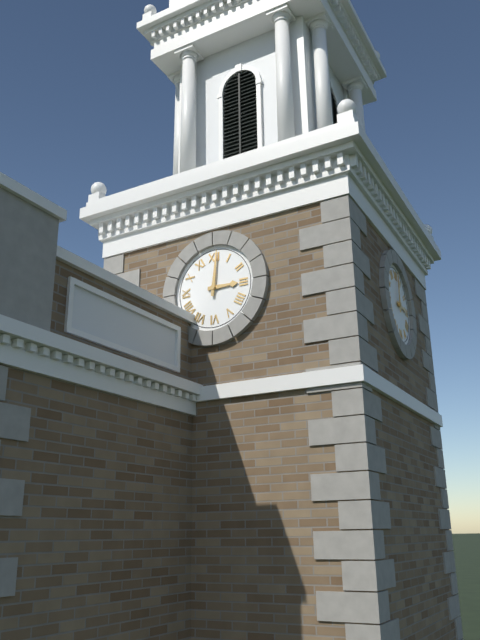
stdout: 3 h 01 min
